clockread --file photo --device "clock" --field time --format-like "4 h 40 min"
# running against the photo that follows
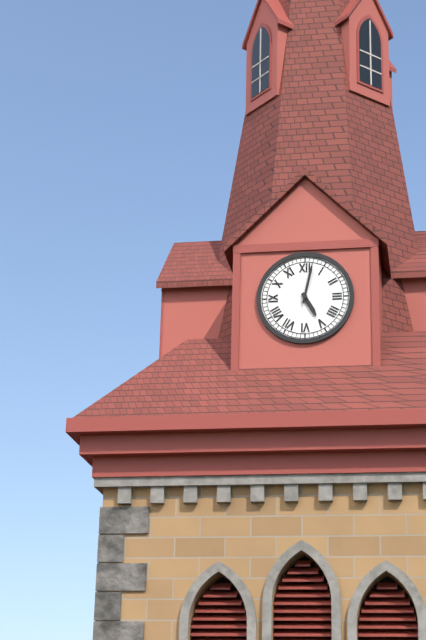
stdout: 5 h 02 min
